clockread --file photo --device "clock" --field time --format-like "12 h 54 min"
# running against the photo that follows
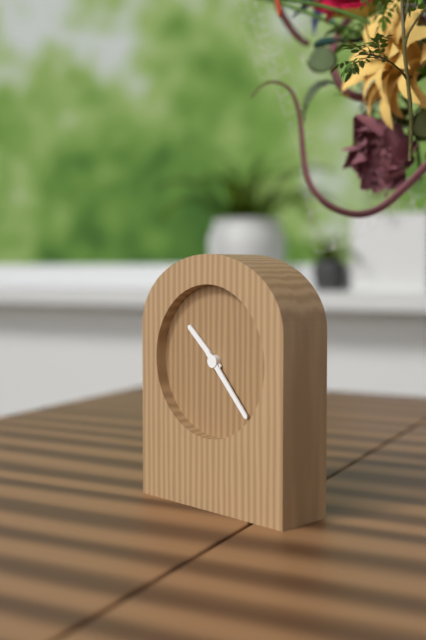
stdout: 10 h 23 min
